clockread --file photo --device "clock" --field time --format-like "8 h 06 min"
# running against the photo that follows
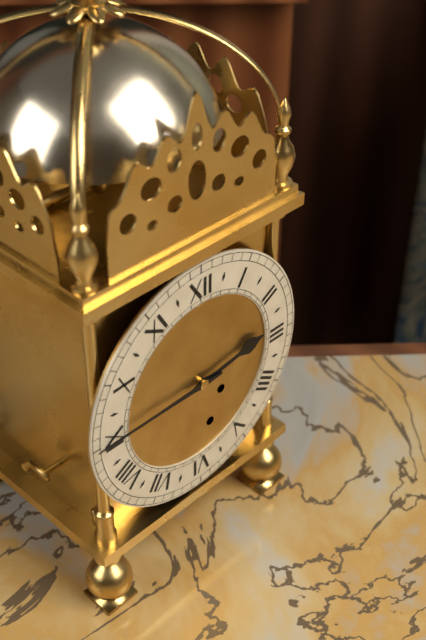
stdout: 2 h 45 min
